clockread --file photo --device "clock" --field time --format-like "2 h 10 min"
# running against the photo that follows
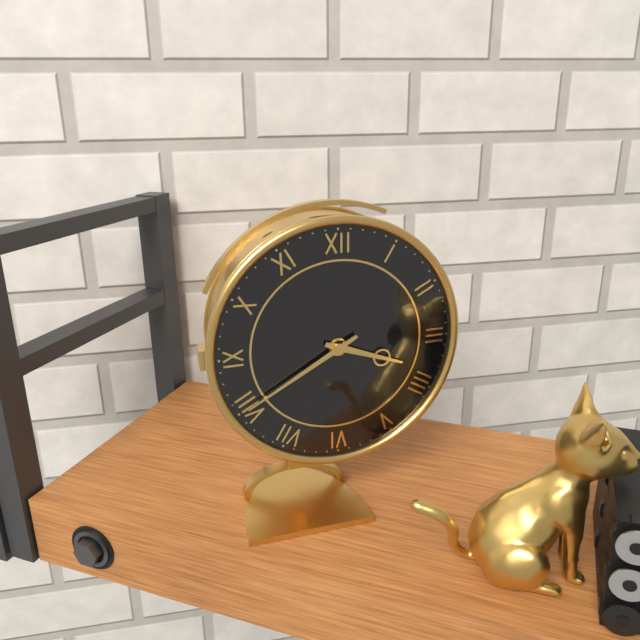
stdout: 3 h 40 min
